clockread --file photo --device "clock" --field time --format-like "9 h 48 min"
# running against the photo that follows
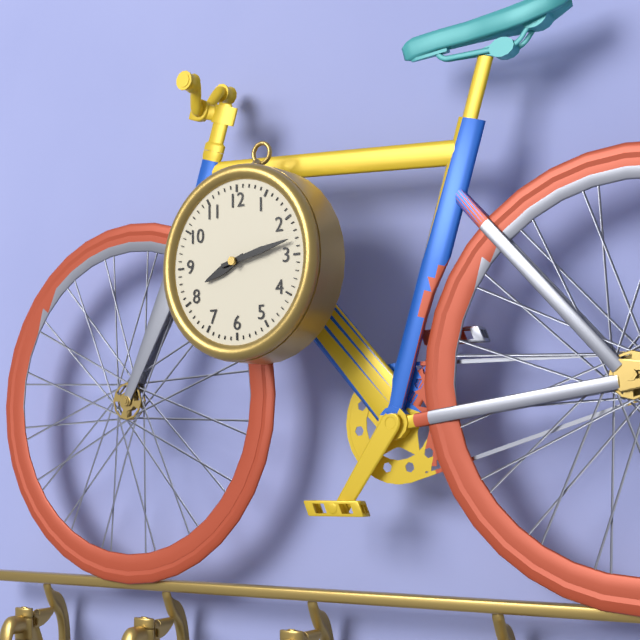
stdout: 8 h 13 min
